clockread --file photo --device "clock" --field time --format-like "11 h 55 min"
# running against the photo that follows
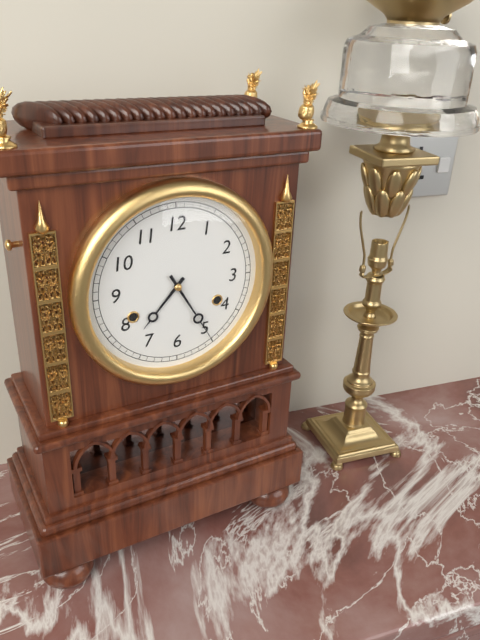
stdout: 7 h 25 min
